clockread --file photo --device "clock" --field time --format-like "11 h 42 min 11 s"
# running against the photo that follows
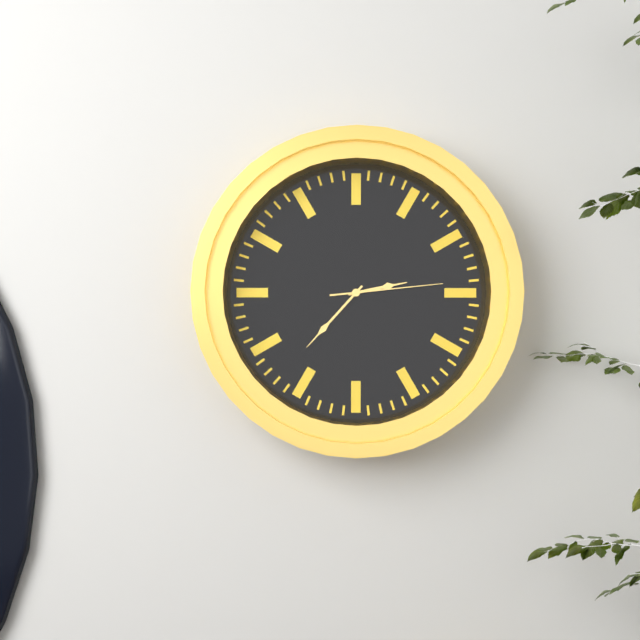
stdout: 2 h 37 min 14 s
